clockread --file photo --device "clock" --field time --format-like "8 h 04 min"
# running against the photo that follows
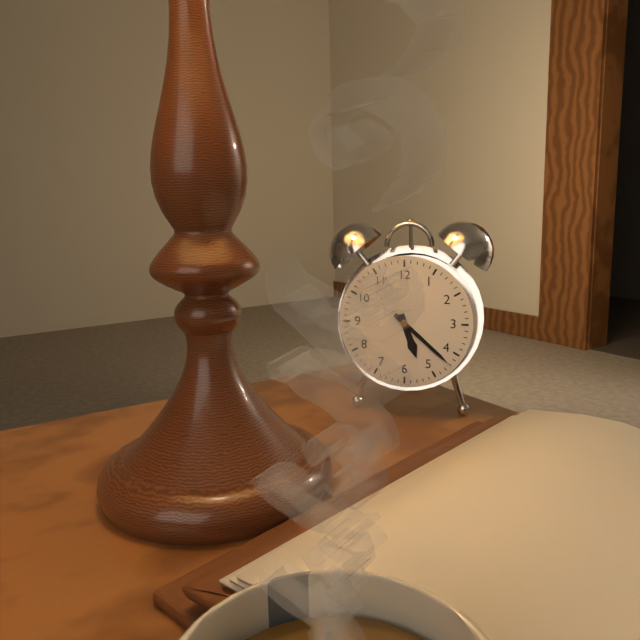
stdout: 5 h 22 min
